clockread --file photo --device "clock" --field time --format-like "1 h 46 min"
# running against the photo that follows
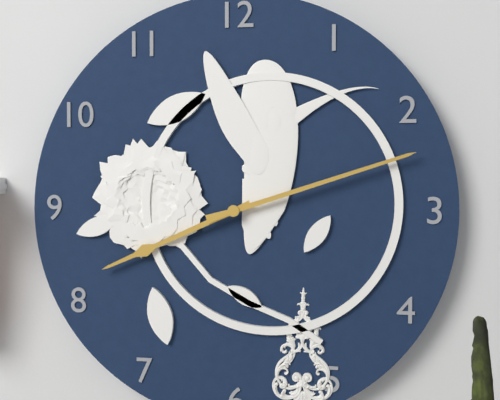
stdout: 8 h 12 min
